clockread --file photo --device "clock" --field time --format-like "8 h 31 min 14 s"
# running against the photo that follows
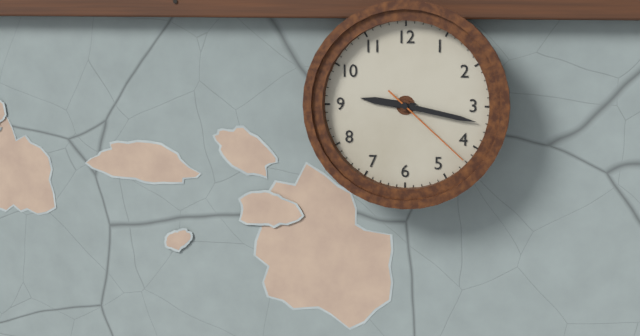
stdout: 9 h 17 min 22 s
